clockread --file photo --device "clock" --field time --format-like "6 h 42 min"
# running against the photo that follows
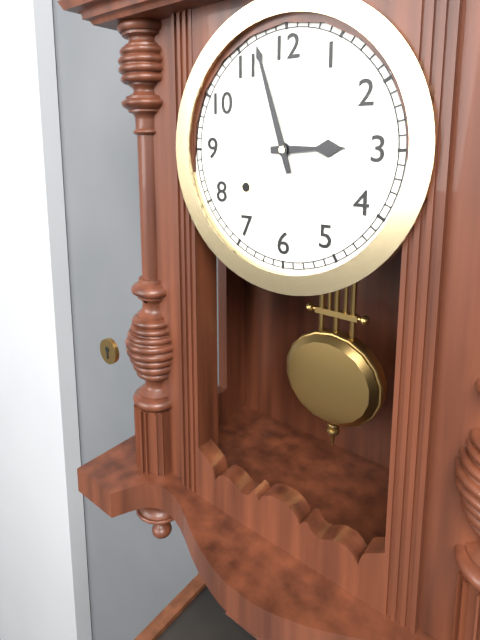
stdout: 2 h 57 min
